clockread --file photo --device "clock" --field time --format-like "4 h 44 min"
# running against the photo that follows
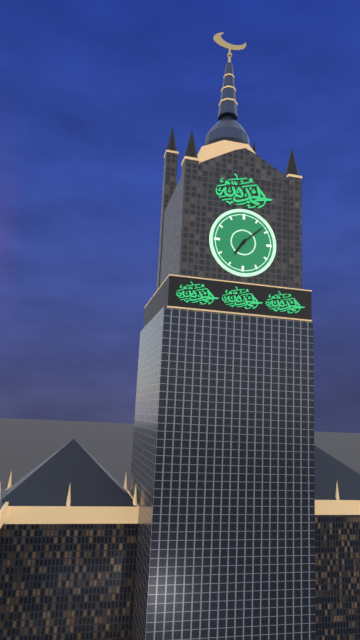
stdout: 7 h 08 min
